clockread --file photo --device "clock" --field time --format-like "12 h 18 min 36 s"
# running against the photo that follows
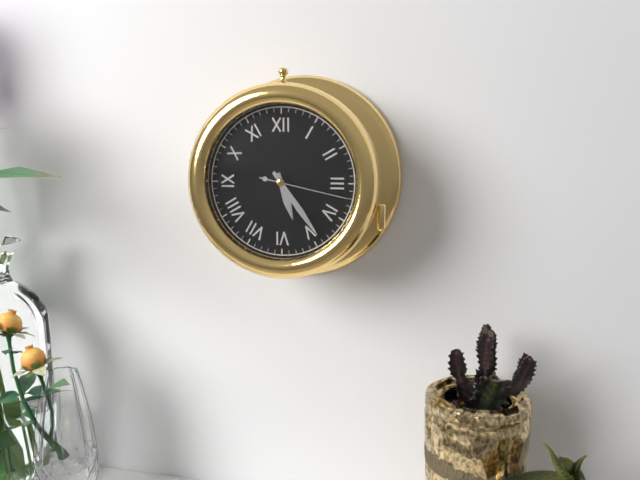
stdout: 5 h 24 min 17 s
